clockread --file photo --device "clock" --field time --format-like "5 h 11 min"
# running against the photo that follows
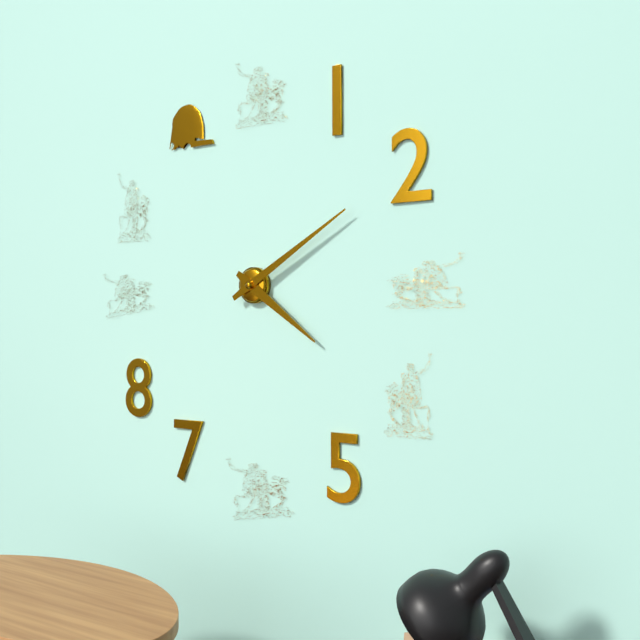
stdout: 4 h 10 min
